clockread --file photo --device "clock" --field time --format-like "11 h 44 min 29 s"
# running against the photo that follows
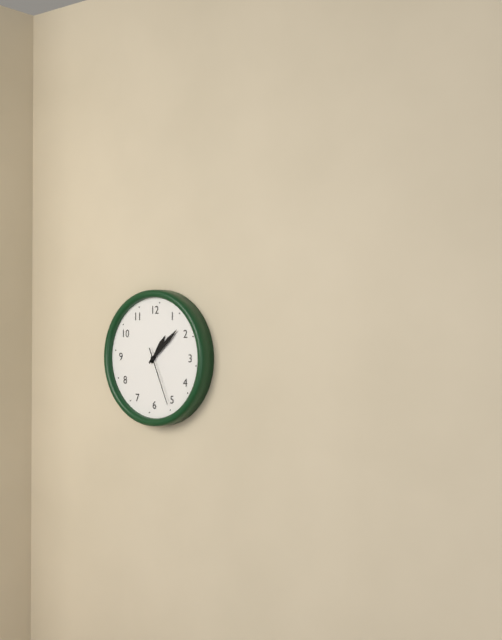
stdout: 1 h 08 min 26 s
